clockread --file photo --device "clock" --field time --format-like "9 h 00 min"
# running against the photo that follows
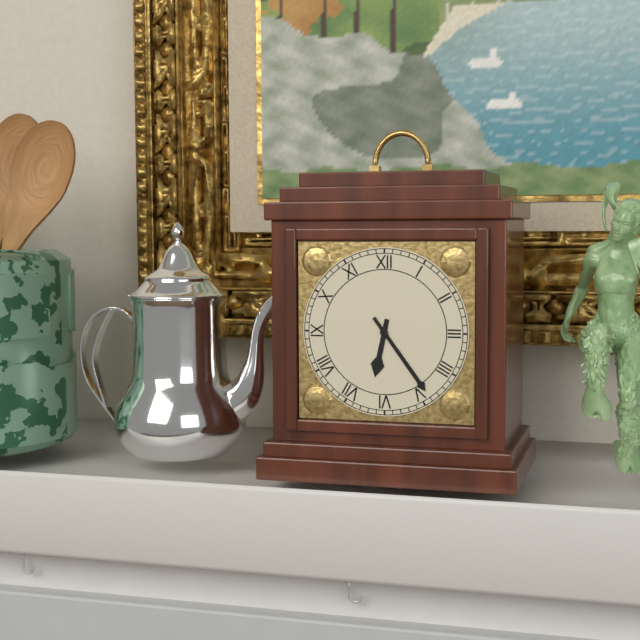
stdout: 6 h 24 min
